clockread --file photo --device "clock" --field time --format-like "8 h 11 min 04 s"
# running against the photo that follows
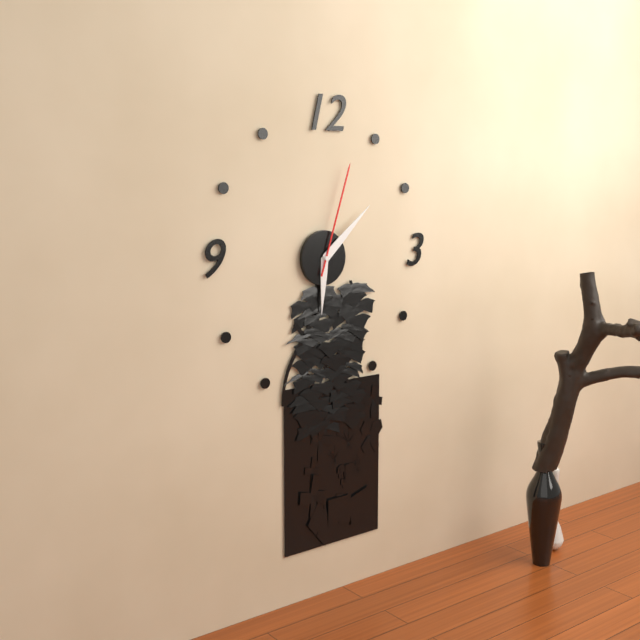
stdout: 6 h 08 min 03 s
